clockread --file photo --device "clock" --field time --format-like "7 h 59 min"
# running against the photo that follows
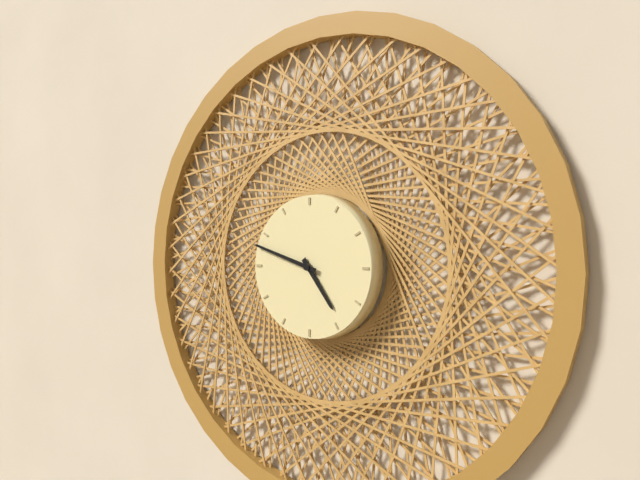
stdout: 4 h 48 min
